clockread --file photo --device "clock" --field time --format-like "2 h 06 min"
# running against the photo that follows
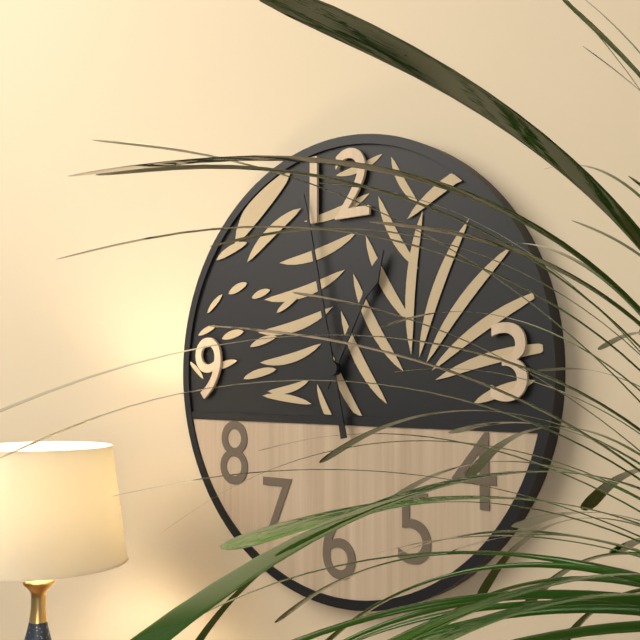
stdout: 12 h 58 min
